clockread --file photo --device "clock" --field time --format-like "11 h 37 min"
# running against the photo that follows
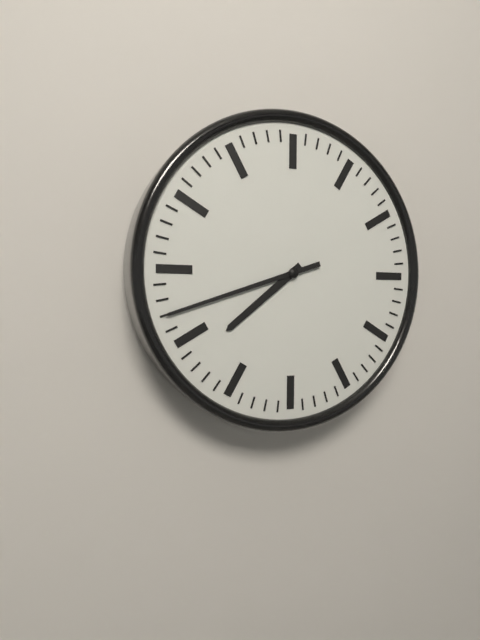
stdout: 7 h 42 min
